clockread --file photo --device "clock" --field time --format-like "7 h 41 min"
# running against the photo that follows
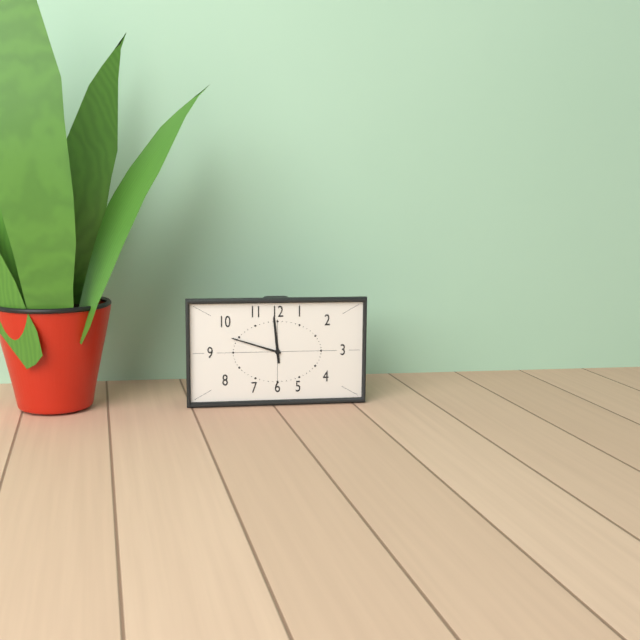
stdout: 11 h 48 min
